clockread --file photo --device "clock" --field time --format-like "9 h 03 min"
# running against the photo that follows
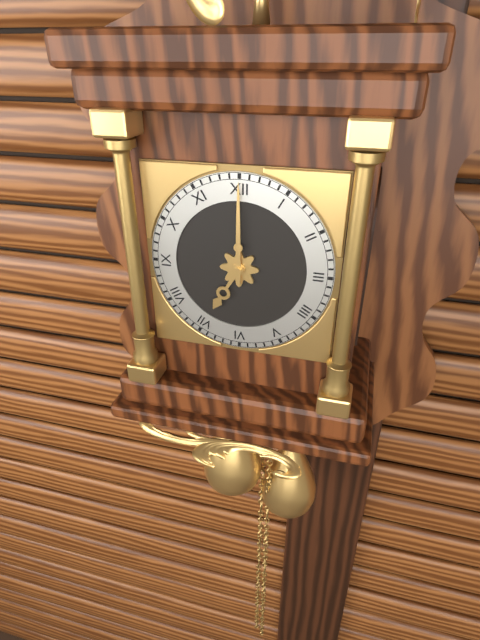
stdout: 7 h 00 min
